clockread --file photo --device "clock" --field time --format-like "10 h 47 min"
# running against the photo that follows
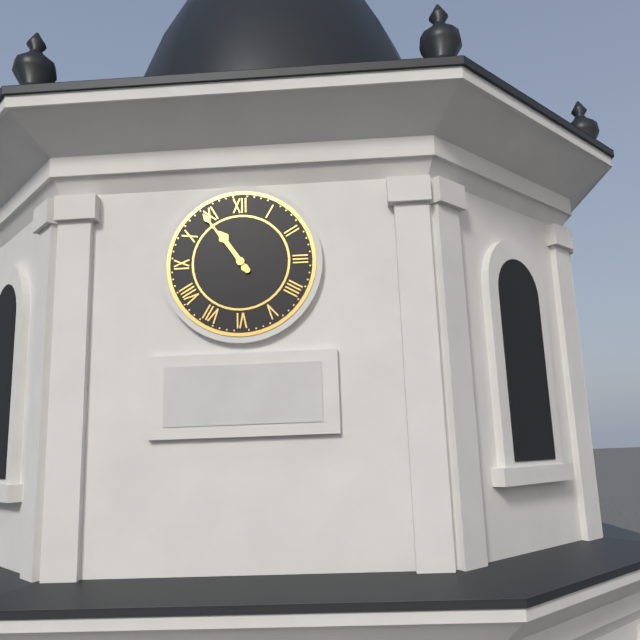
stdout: 10 h 54 min
